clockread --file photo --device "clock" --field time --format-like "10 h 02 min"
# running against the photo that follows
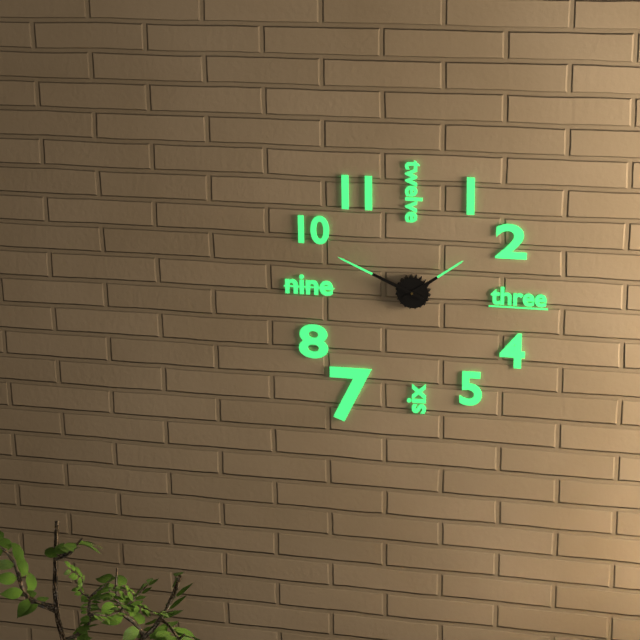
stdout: 1 h 49 min
